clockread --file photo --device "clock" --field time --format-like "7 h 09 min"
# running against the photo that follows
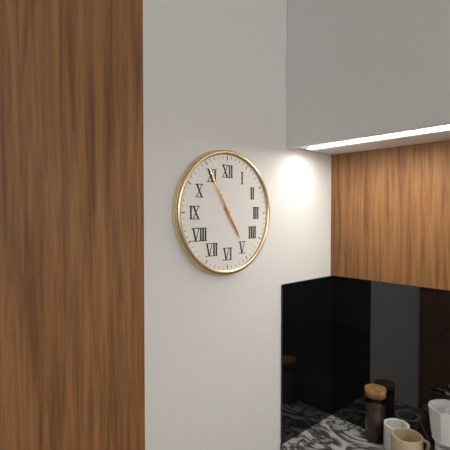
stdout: 4 h 55 min
